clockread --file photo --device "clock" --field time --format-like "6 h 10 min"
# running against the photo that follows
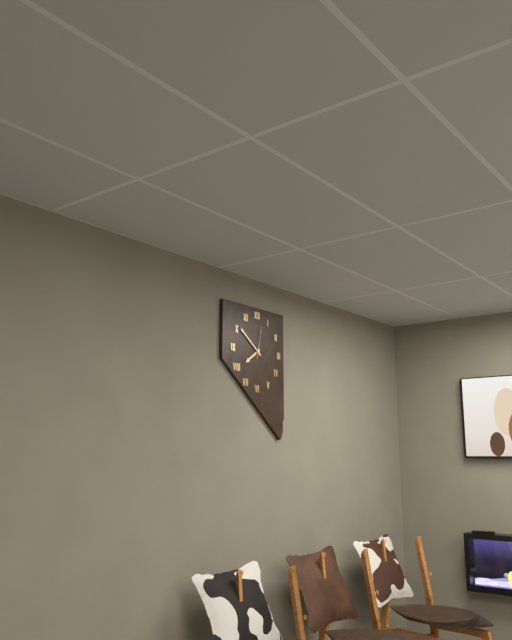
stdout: 7 h 51 min
